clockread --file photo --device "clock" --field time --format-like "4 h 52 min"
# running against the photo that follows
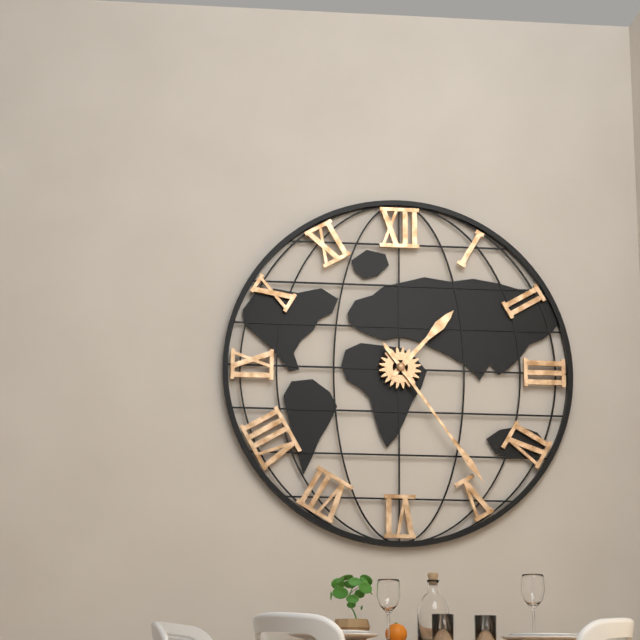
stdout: 1 h 24 min
